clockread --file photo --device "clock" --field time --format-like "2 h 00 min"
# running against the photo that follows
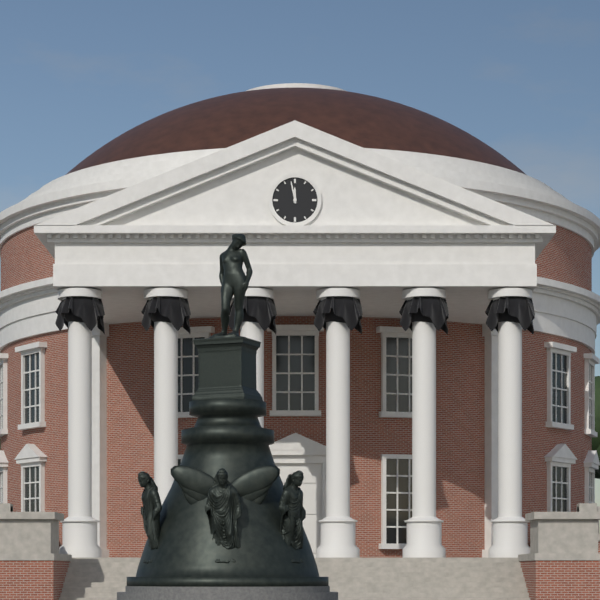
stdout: 11 h 58 min
